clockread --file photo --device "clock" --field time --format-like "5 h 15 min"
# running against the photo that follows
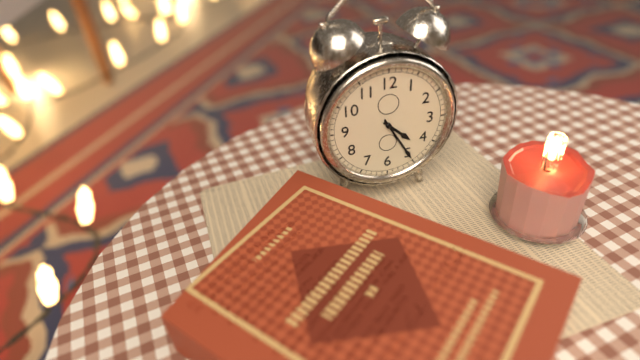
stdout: 4 h 25 min
